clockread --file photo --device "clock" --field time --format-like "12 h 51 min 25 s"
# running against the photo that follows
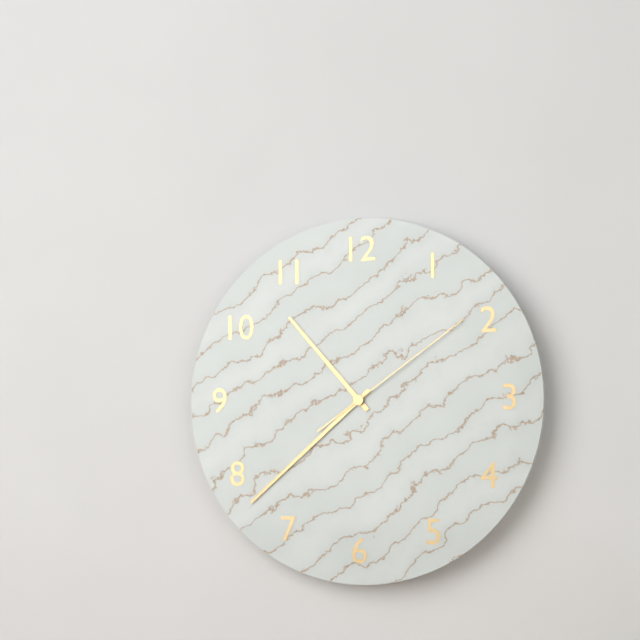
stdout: 10 h 38 min 09 s
